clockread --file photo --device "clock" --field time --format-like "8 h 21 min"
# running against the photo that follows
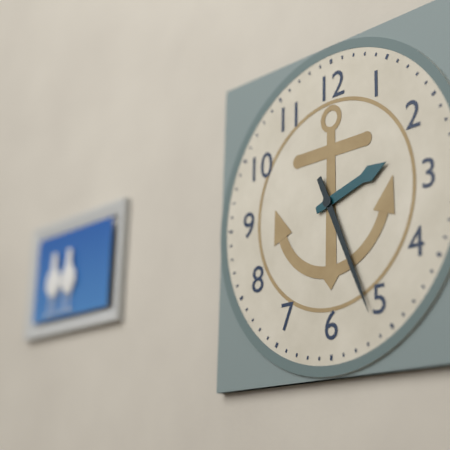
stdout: 2 h 26 min
